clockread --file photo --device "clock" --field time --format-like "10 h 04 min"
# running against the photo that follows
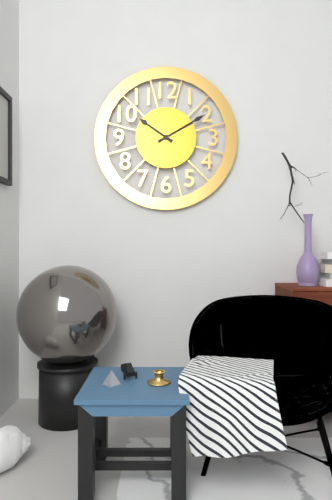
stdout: 10 h 10 min
